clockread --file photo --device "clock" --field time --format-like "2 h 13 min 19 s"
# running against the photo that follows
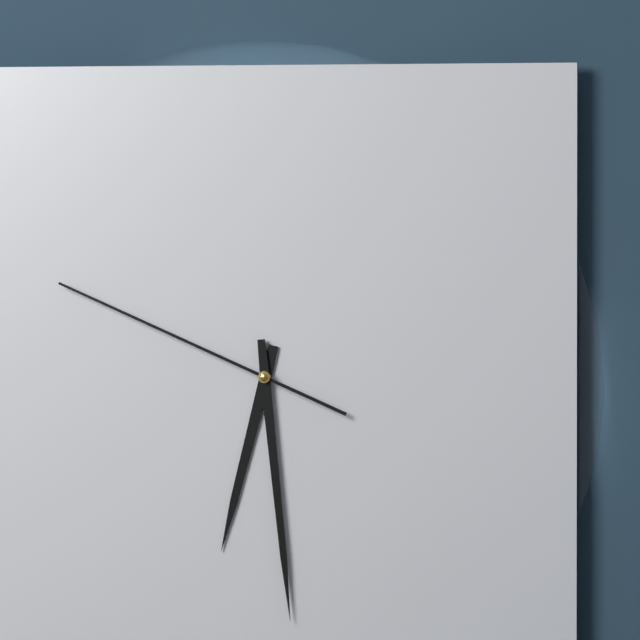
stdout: 6 h 29 min 49 s
